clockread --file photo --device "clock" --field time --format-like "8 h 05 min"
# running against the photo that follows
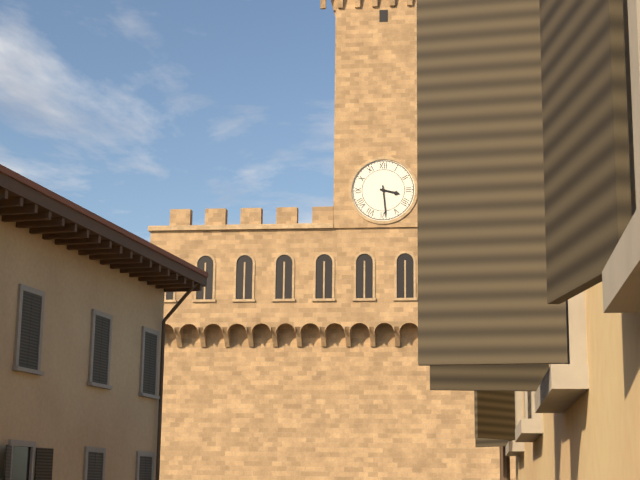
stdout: 3 h 29 min
